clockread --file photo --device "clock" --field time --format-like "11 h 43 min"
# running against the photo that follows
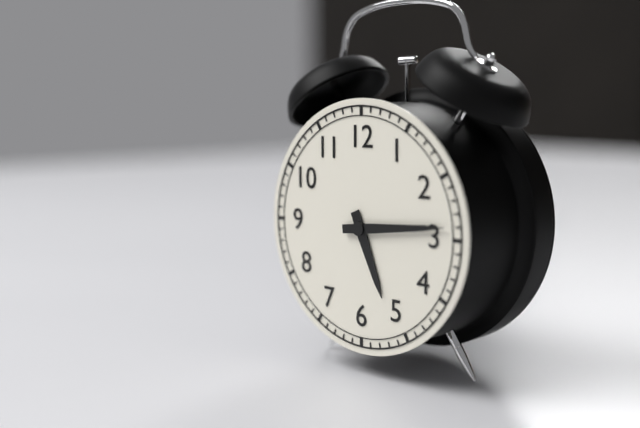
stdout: 5 h 14 min
